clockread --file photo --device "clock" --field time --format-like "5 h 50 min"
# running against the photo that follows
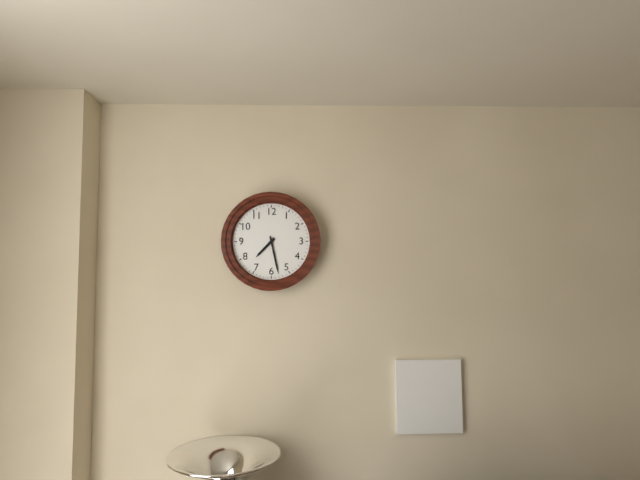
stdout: 7 h 28 min
